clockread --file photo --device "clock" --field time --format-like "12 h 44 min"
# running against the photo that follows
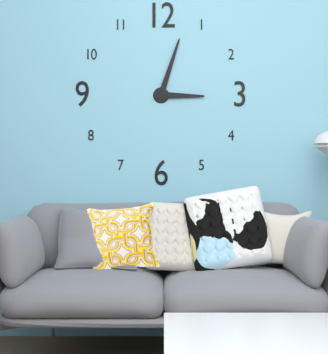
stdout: 3 h 03 min
